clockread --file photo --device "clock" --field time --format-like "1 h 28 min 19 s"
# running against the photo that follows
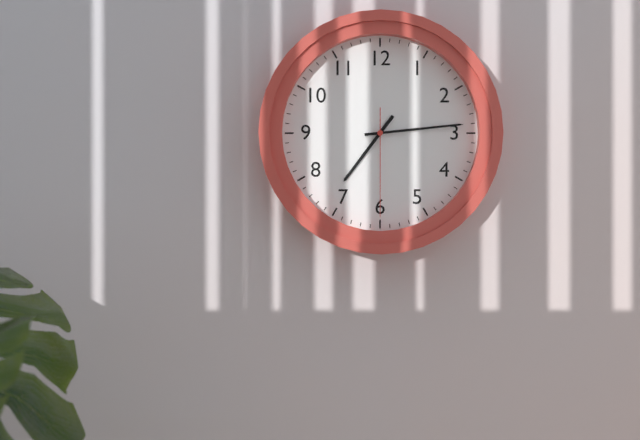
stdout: 7 h 14 min 30 s
